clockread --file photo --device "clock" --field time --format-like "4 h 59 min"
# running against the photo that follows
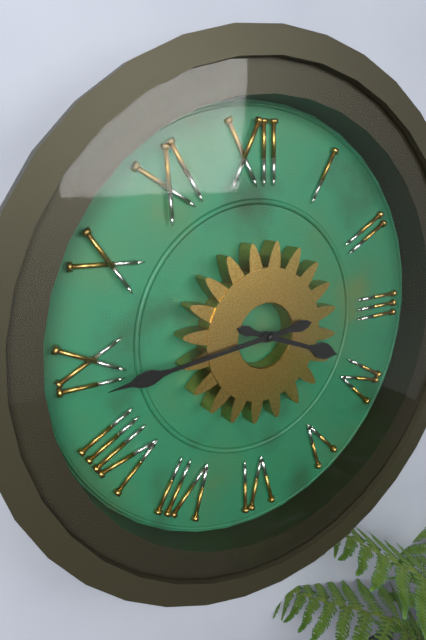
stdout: 3 h 44 min
